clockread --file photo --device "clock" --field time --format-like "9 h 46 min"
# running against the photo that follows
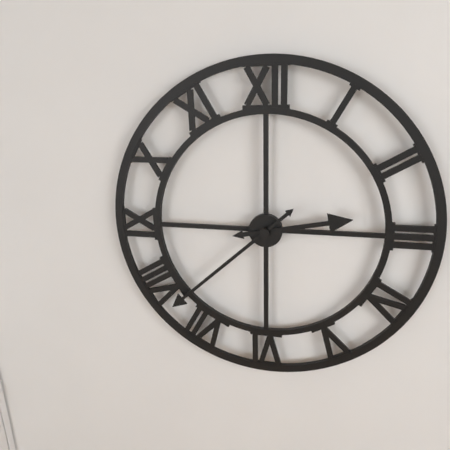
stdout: 2 h 38 min
